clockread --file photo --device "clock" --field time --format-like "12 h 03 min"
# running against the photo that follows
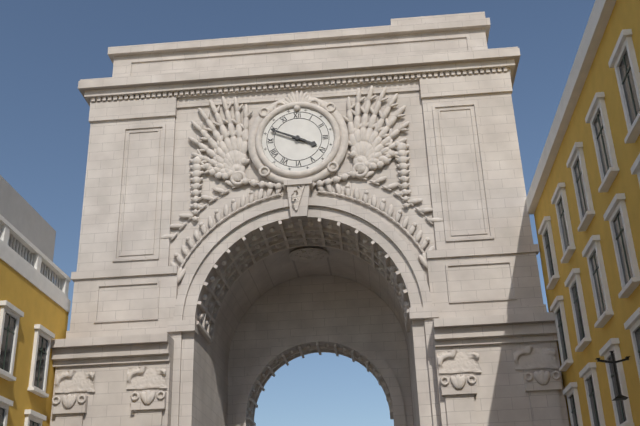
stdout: 3 h 49 min
